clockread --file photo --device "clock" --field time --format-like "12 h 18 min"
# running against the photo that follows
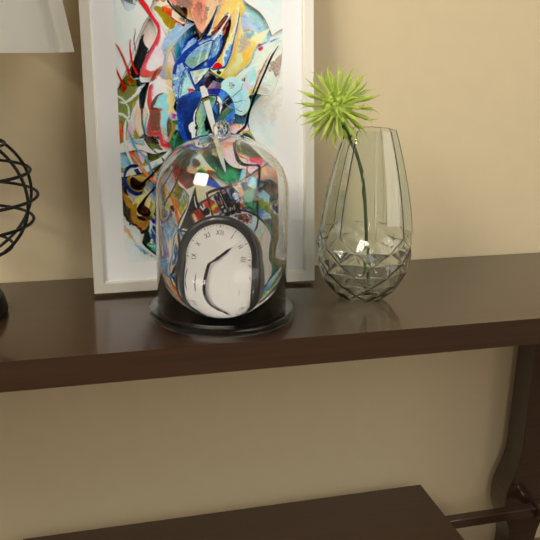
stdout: 1 h 39 min
